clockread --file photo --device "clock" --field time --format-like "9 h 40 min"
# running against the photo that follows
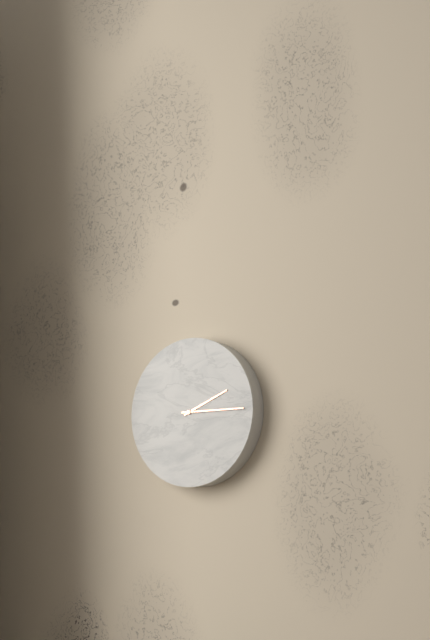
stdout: 2 h 15 min
